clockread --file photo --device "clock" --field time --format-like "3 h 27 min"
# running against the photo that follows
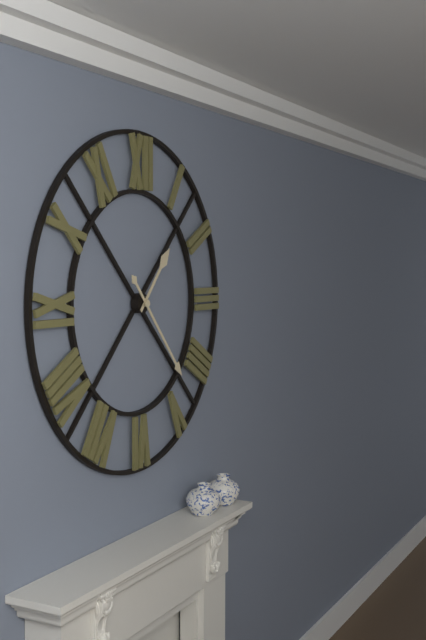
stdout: 1 h 23 min
